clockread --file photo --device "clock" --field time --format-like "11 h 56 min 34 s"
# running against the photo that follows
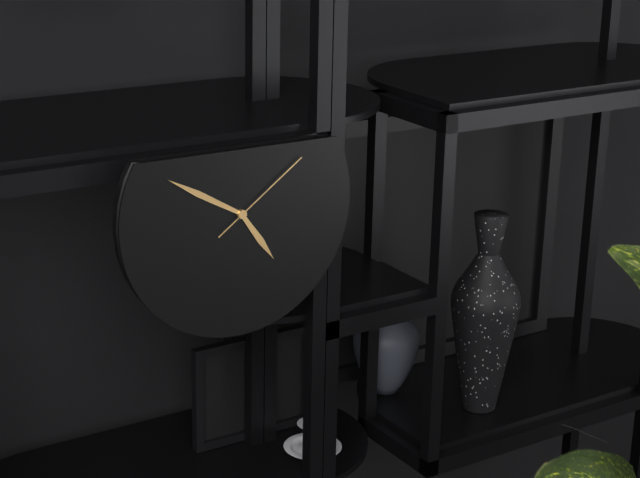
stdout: 4 h 50 min 09 s
